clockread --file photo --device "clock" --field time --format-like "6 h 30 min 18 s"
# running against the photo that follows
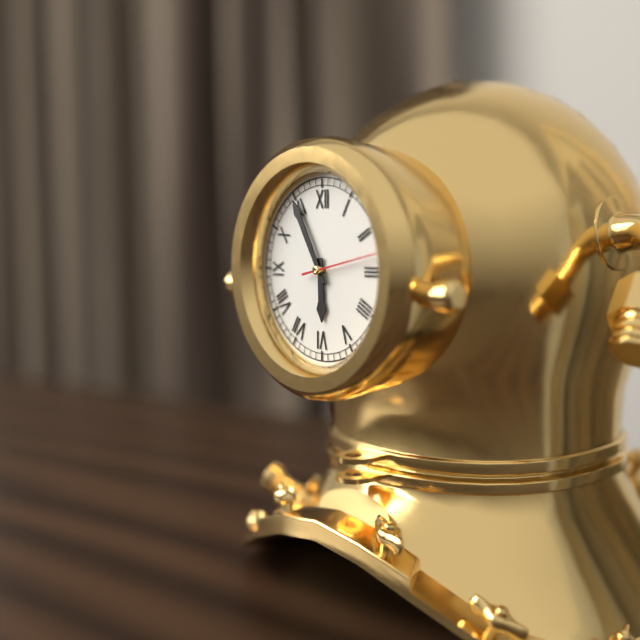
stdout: 5 h 55 min 13 s
